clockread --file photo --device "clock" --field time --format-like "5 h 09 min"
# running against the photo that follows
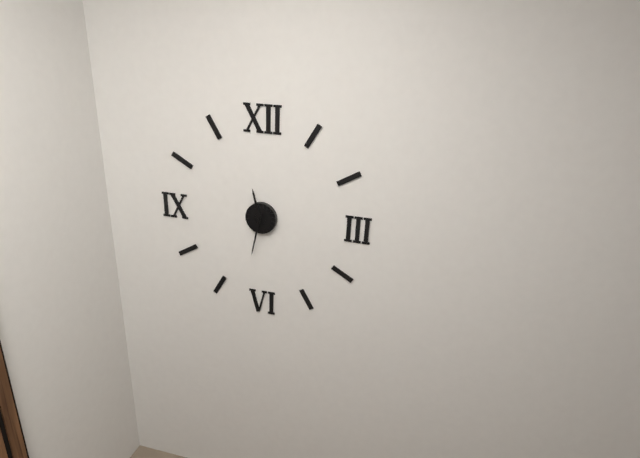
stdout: 11 h 32 min
